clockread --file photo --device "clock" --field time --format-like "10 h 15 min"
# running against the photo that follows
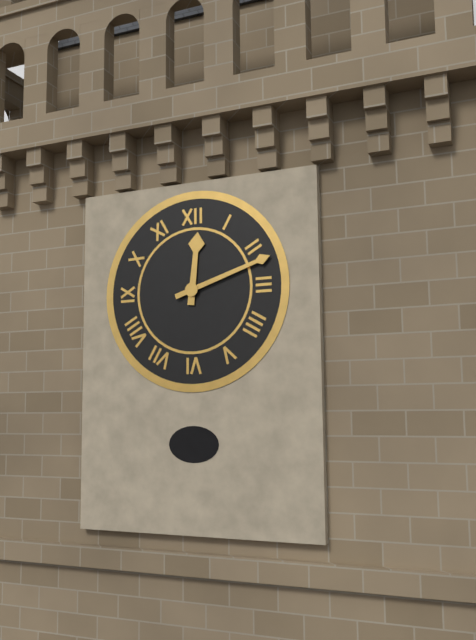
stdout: 12 h 12 min
